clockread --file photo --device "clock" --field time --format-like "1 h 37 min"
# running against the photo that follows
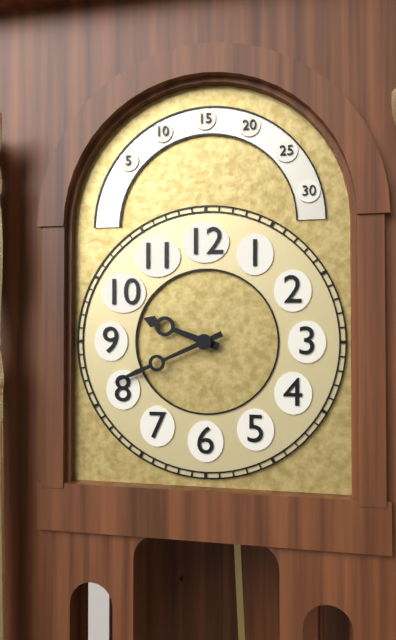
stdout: 9 h 41 min
